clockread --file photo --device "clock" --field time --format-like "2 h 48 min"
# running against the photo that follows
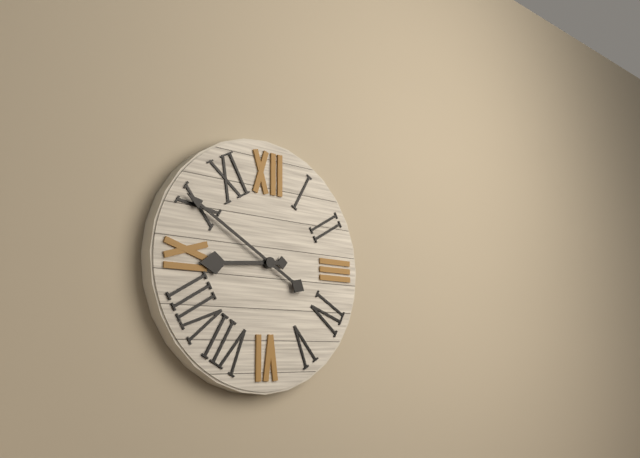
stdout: 8 h 50 min
